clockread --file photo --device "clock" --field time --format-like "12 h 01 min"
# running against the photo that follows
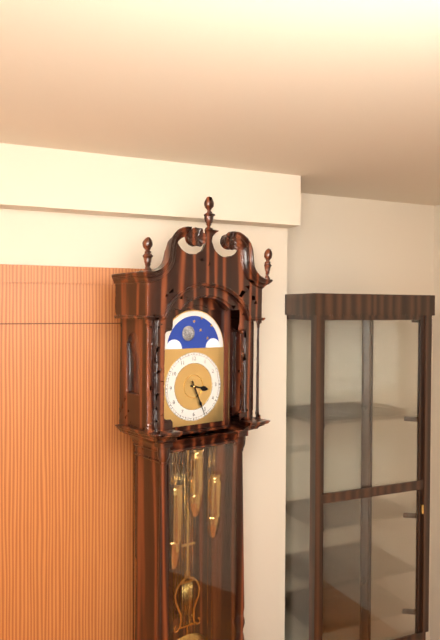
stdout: 3 h 26 min
